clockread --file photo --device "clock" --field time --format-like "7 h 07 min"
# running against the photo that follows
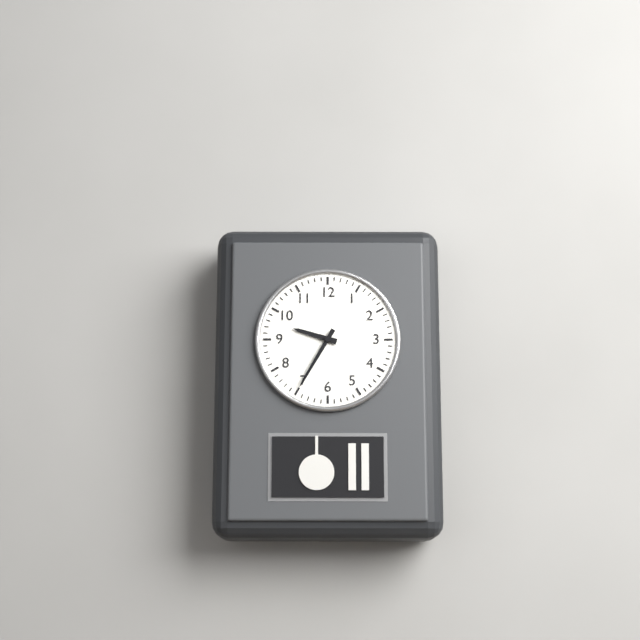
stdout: 9 h 35 min
